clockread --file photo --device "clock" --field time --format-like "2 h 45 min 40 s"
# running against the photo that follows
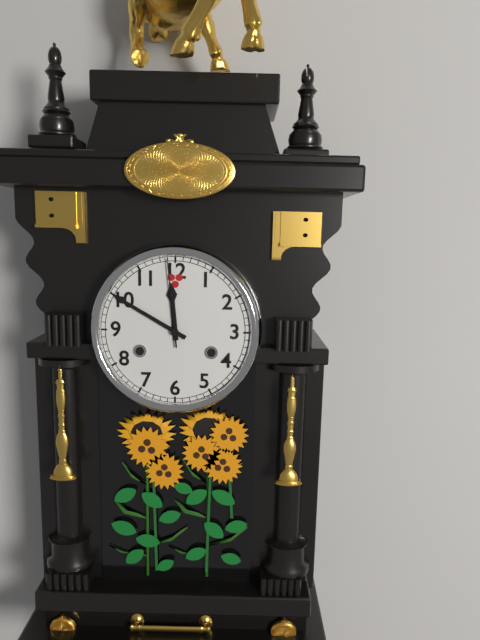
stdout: 11 h 50 min 59 s
